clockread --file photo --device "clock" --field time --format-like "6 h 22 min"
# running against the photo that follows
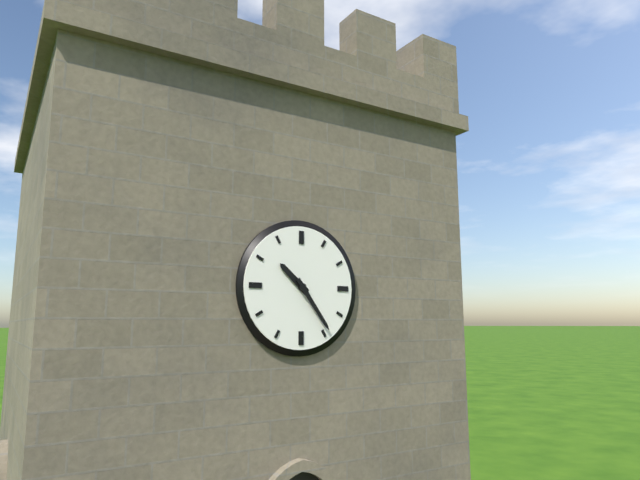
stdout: 10 h 24 min
